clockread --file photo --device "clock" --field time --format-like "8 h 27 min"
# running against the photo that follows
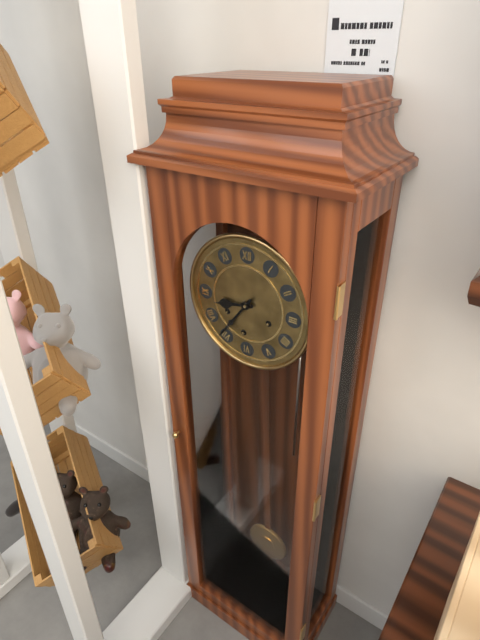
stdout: 8 h 36 min
